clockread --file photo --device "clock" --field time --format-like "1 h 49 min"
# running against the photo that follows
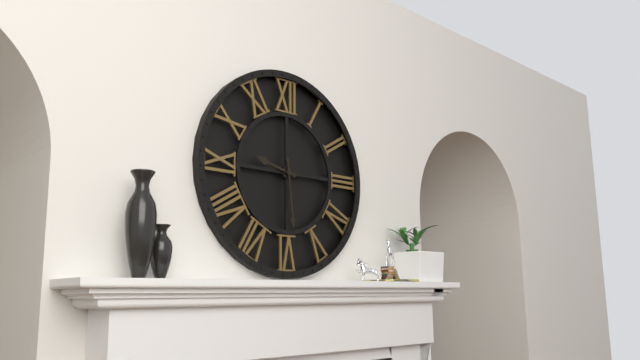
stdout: 9 h 29 min
